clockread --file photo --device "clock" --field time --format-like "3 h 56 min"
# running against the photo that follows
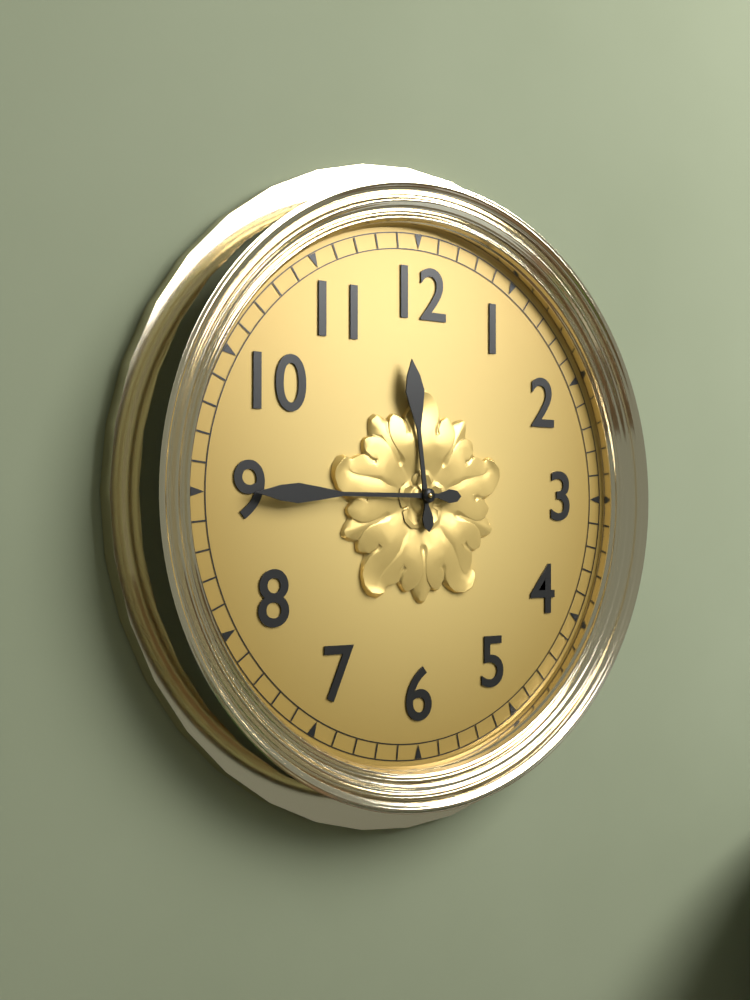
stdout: 11 h 45 min
